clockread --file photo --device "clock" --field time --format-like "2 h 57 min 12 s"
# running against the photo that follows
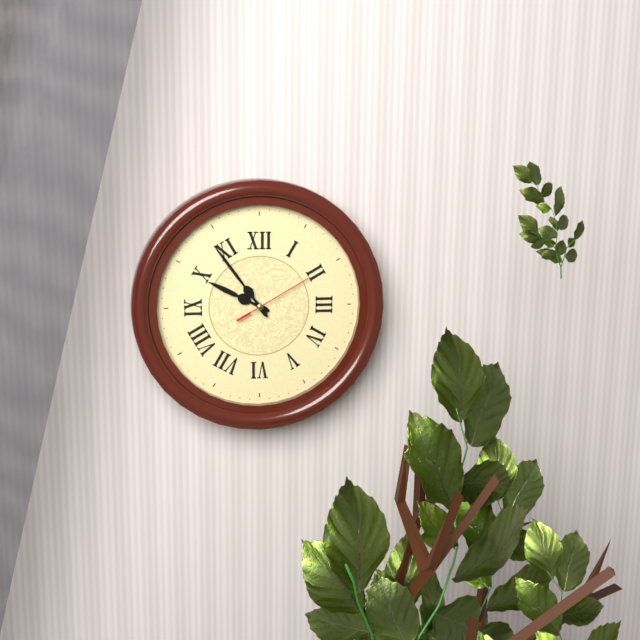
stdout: 9 h 54 min 10 s
